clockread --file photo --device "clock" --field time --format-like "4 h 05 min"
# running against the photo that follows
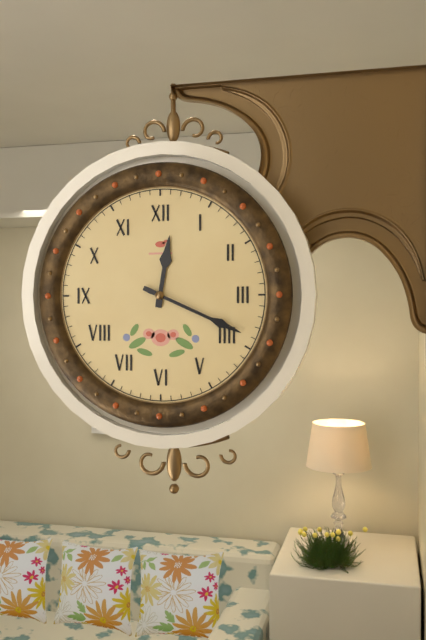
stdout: 12 h 19 min
